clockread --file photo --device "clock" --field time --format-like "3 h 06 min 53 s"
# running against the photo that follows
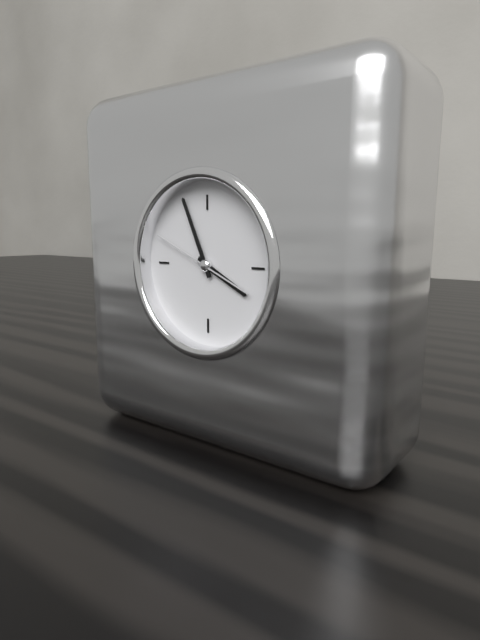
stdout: 3 h 56 min 49 s
